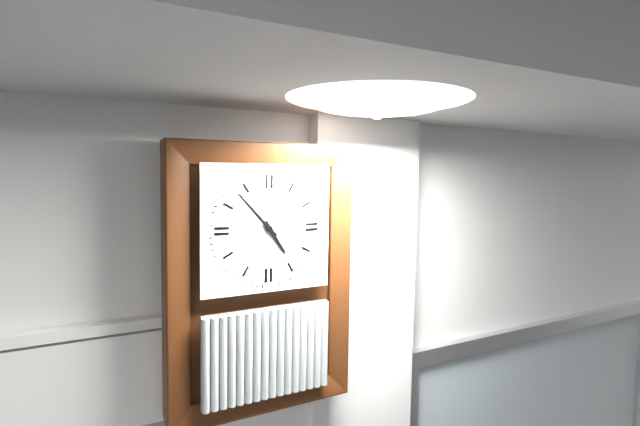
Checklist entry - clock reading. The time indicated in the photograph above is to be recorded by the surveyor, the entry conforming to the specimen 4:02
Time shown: 4:53
